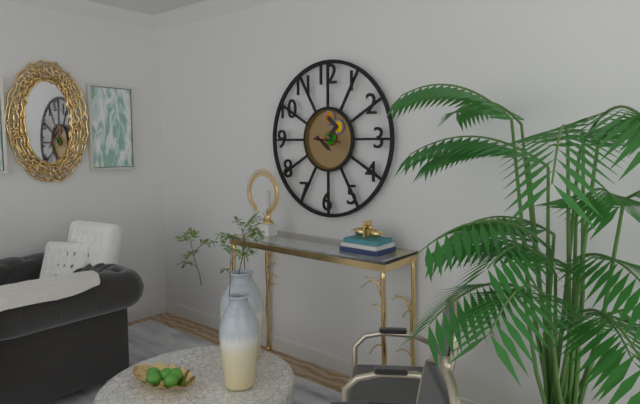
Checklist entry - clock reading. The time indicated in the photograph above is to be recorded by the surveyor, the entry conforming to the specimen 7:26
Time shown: 4:16
